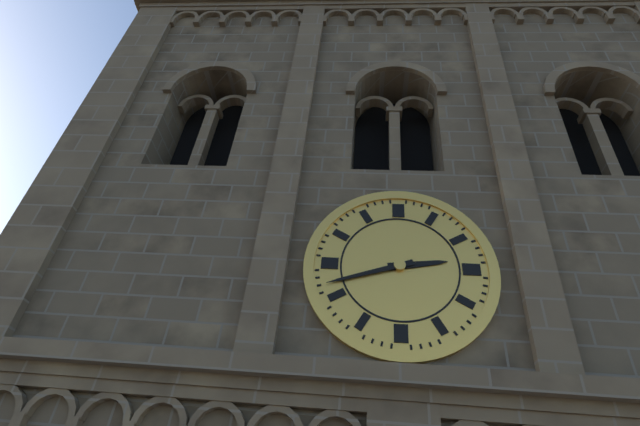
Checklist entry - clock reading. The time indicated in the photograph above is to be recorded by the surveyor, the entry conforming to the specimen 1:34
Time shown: 2:42
